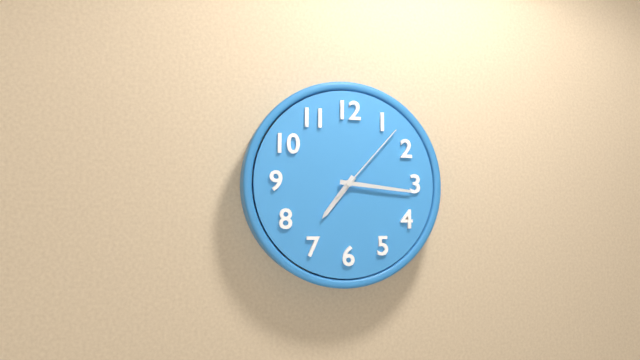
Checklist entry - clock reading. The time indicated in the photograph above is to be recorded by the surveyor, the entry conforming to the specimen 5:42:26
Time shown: 7:16:07
